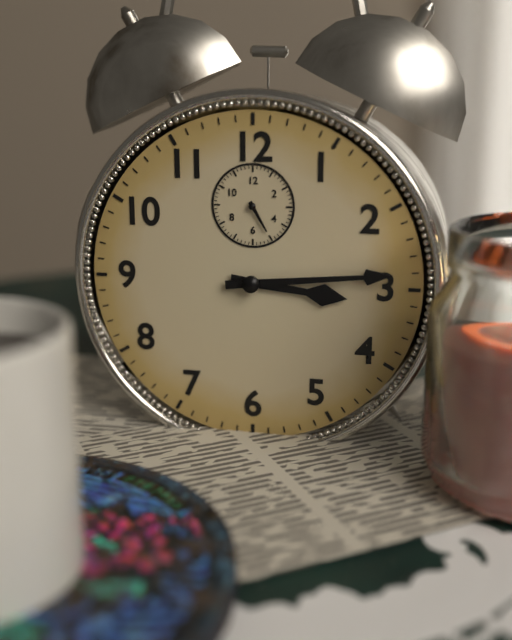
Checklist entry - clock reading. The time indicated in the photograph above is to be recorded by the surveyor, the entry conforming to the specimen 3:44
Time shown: 3:14
